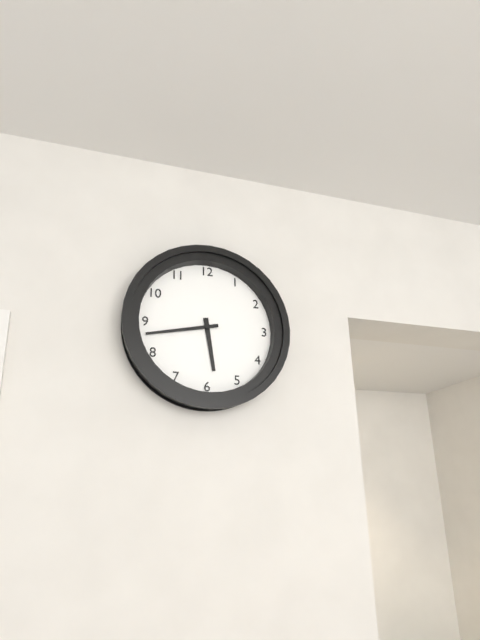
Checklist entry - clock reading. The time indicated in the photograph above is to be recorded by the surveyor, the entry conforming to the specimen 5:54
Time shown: 5:43
